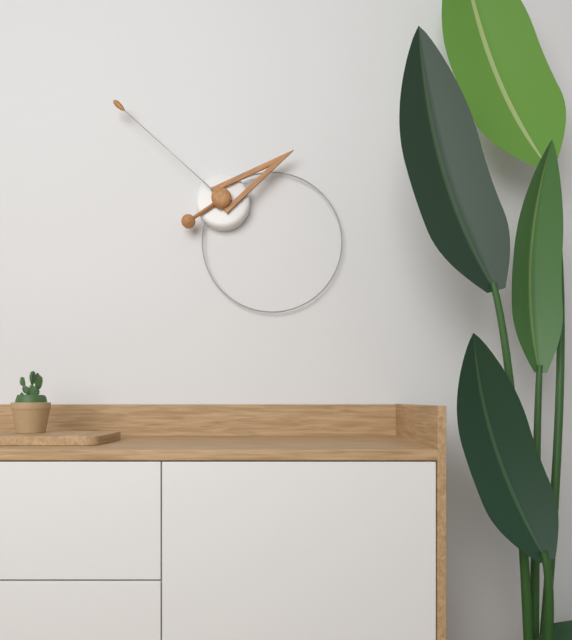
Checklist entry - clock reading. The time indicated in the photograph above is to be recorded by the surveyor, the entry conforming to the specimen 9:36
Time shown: 1:52
